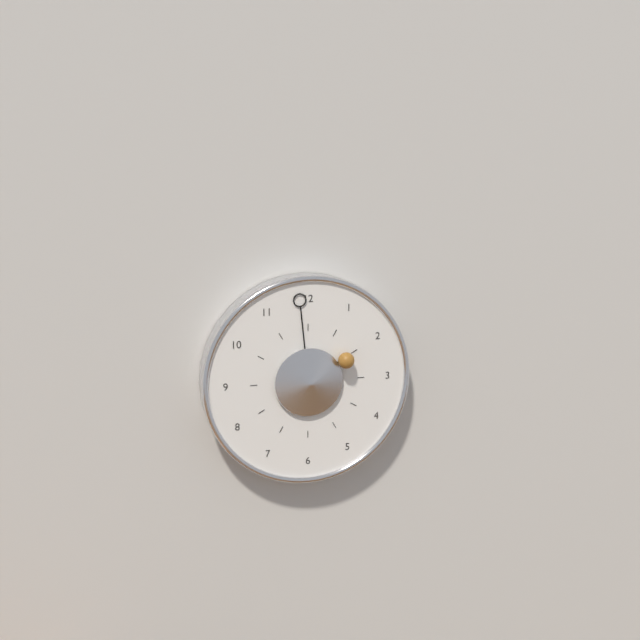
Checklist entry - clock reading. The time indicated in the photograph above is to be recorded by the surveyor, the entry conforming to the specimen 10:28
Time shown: 1:59
